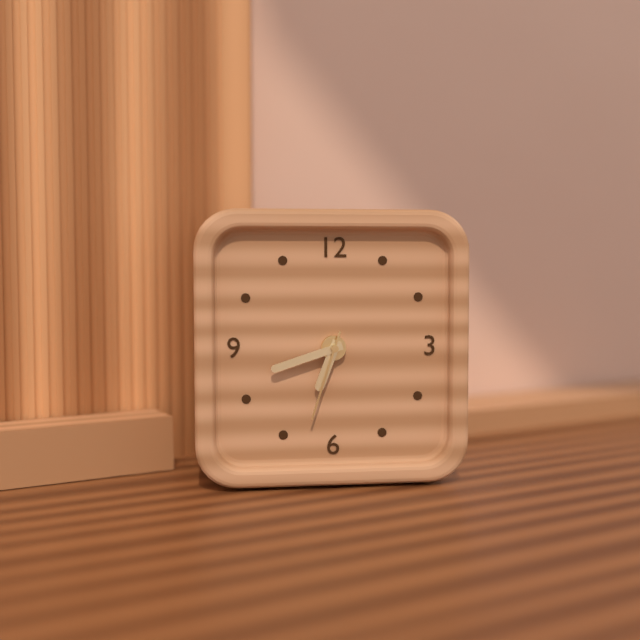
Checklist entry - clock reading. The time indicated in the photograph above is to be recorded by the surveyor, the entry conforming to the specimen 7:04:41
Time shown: 6:42:33
